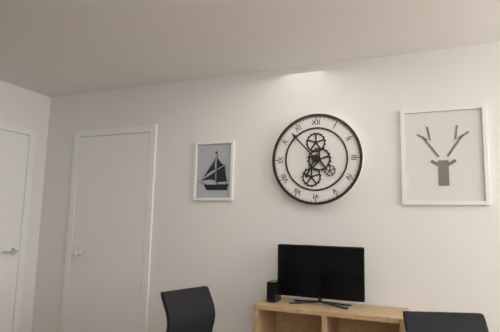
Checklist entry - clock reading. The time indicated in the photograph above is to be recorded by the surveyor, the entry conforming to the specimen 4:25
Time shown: 6:53
